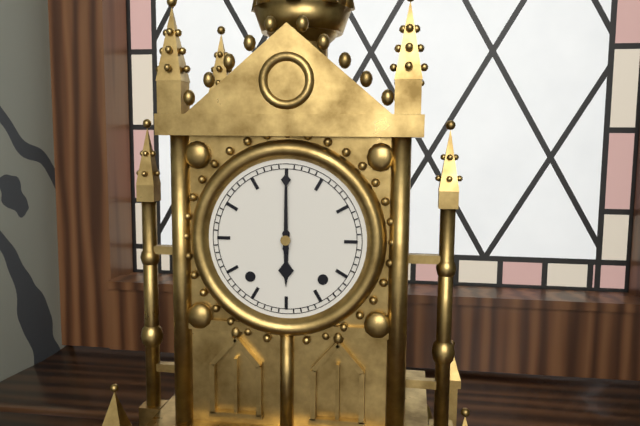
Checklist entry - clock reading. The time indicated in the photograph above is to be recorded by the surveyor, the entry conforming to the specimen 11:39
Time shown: 6:00
